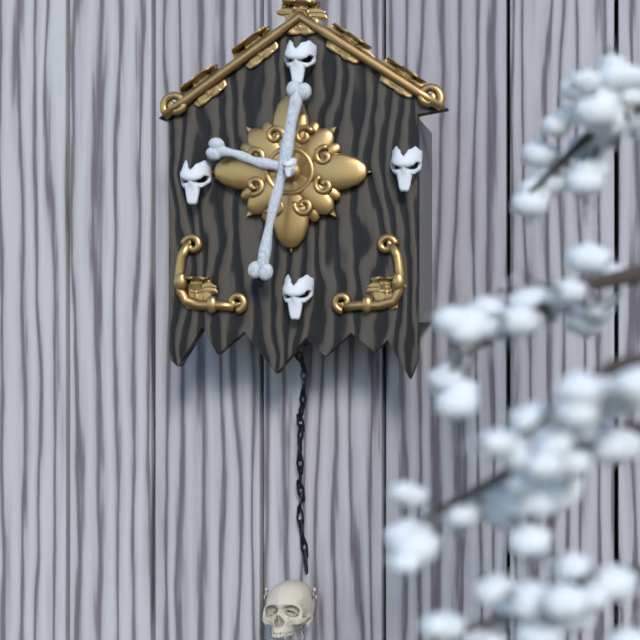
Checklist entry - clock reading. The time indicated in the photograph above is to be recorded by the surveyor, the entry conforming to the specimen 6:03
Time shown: 9:32
